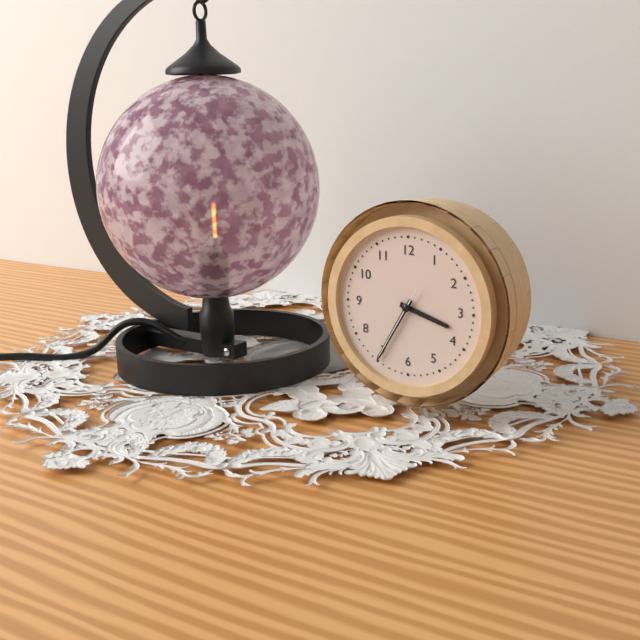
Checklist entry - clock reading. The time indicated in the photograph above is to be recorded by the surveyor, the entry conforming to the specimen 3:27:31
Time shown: 3:35:35
